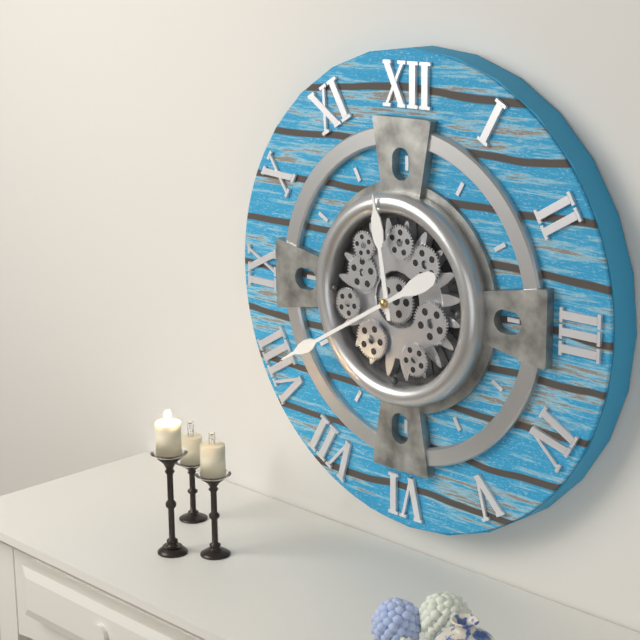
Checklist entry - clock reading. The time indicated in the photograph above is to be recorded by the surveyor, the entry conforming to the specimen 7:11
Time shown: 11:40
